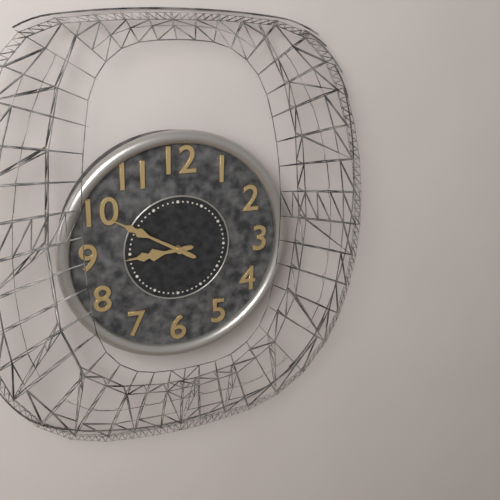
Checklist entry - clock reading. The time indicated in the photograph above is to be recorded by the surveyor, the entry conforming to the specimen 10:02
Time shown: 8:50
